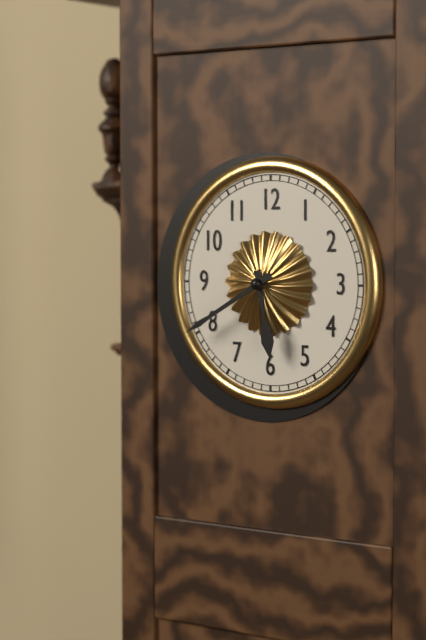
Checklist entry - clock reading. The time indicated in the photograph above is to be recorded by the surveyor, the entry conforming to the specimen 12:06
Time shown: 5:40
